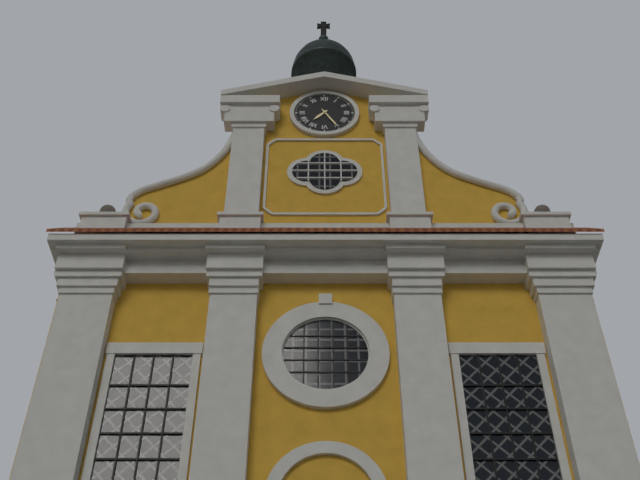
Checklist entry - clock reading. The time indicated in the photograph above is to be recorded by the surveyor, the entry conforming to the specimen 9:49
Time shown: 7:25
